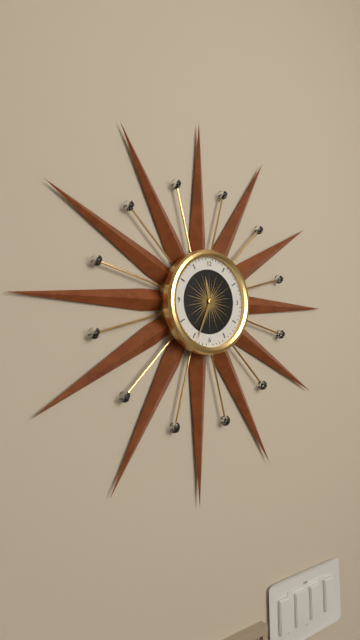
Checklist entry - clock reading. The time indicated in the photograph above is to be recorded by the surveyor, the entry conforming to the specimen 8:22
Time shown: 11:34
